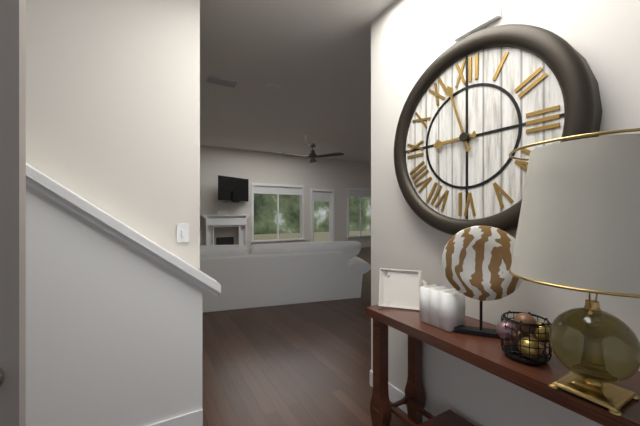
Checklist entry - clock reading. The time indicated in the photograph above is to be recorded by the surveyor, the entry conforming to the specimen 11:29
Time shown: 8:57
